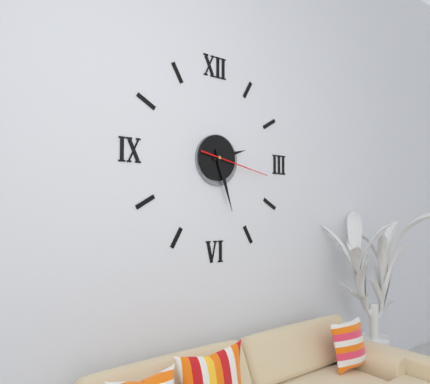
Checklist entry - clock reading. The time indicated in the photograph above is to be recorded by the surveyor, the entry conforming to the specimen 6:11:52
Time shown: 2:27:17
